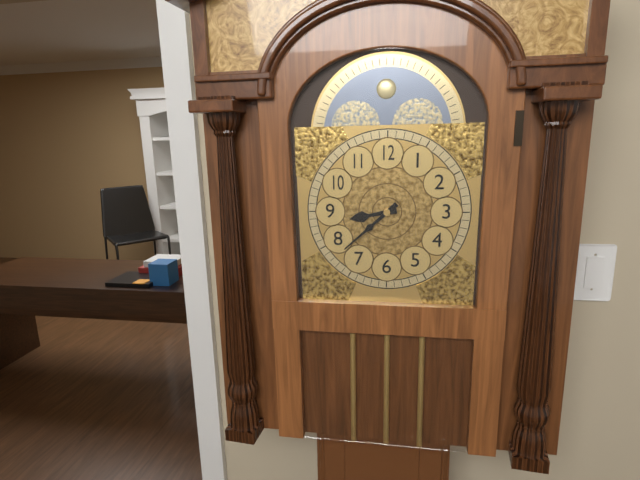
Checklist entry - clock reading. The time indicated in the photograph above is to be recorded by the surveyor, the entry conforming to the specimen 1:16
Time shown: 8:38
